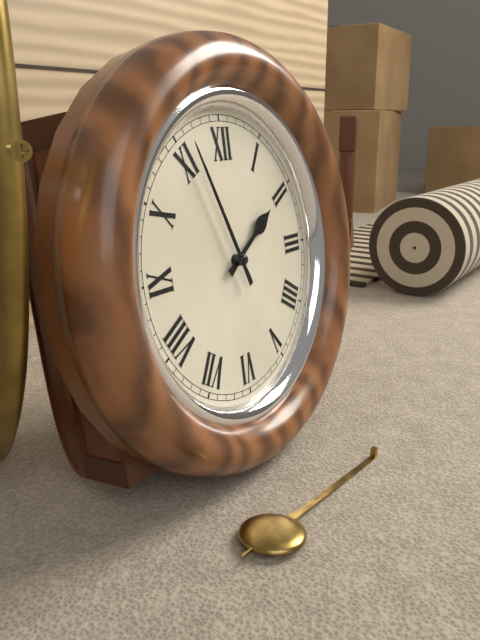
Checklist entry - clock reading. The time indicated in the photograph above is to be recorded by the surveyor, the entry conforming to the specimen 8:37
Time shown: 1:56
